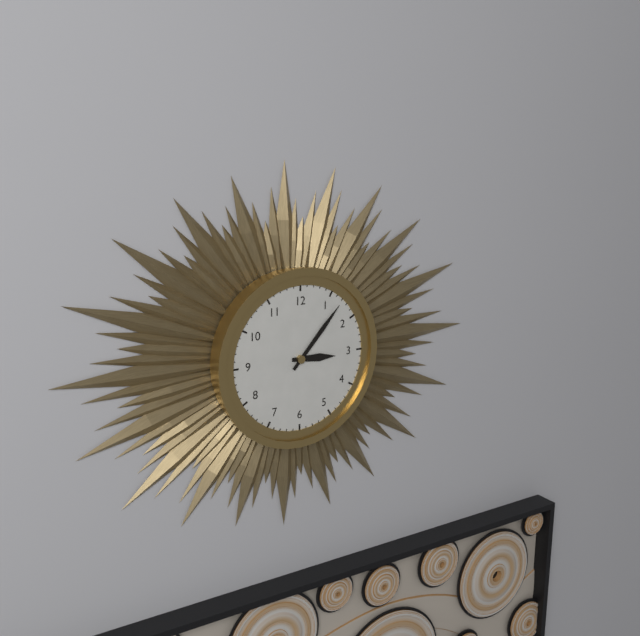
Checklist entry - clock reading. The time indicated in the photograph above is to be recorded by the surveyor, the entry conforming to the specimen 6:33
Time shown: 3:07
